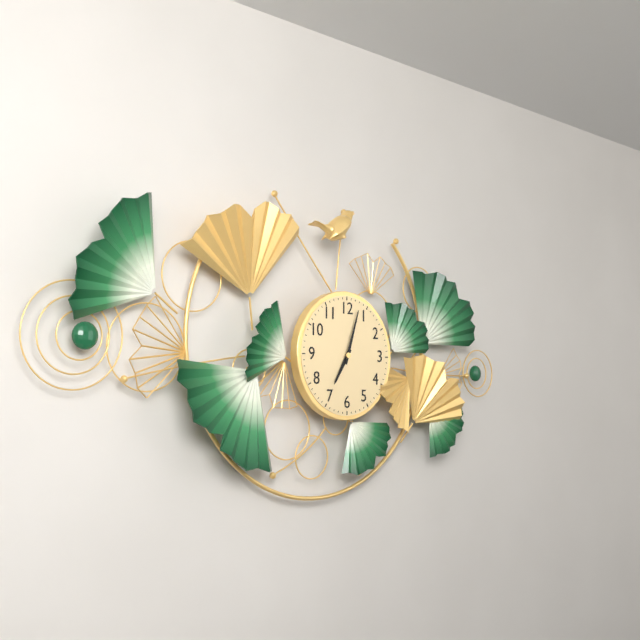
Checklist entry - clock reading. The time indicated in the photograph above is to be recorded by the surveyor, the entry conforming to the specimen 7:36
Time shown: 7:03
